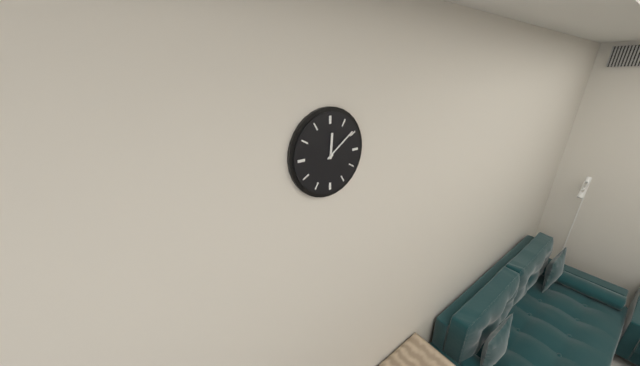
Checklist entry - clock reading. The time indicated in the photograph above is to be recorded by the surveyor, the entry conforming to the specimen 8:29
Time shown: 12:09
